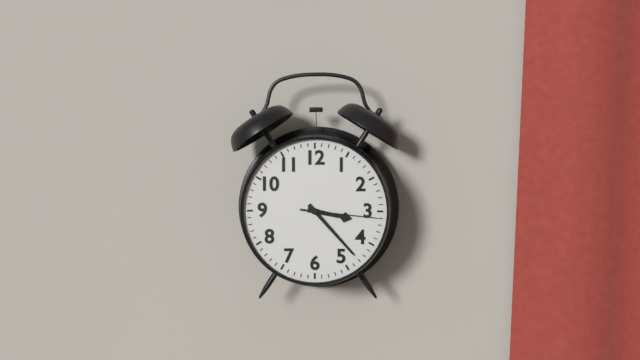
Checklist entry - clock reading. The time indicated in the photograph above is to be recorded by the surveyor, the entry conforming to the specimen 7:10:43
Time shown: 3:23:16
